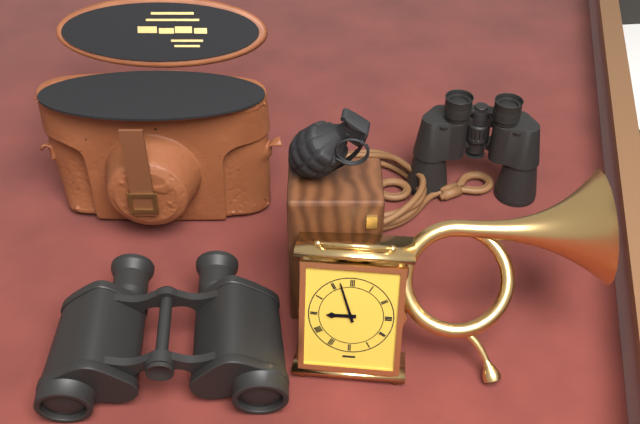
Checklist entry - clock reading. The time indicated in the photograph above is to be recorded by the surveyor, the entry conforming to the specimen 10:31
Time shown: 8:57
